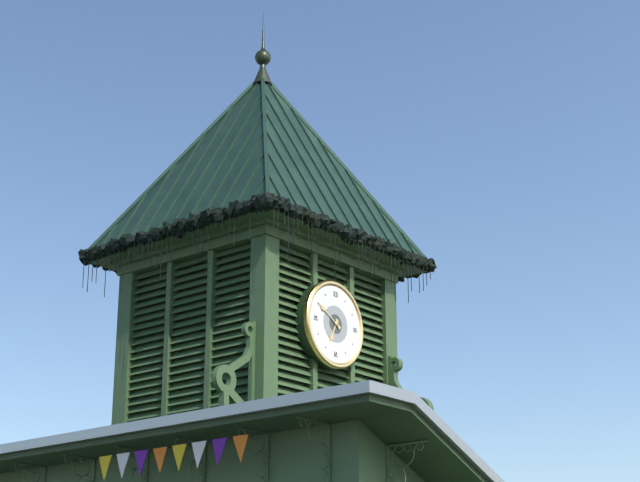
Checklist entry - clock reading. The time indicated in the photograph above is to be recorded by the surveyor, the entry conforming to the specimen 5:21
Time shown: 6:50
